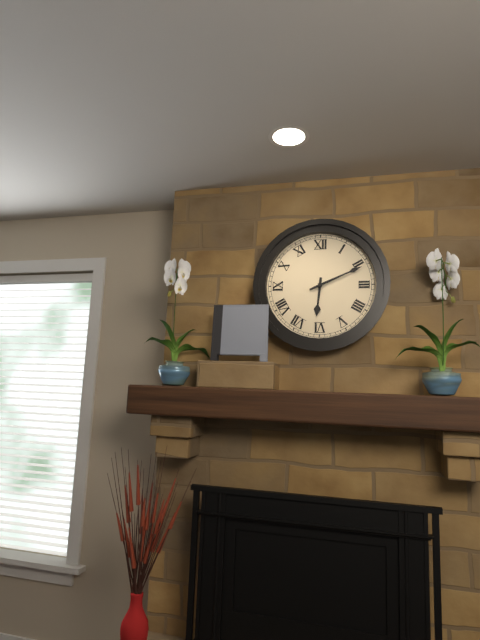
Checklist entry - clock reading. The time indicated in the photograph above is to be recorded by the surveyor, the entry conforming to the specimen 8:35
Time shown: 6:11
